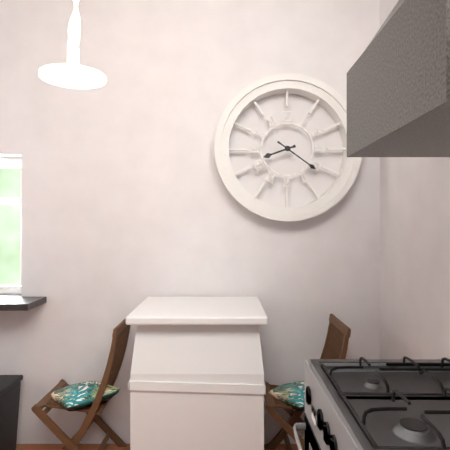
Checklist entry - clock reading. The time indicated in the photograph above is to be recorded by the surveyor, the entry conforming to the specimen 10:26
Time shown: 8:21
